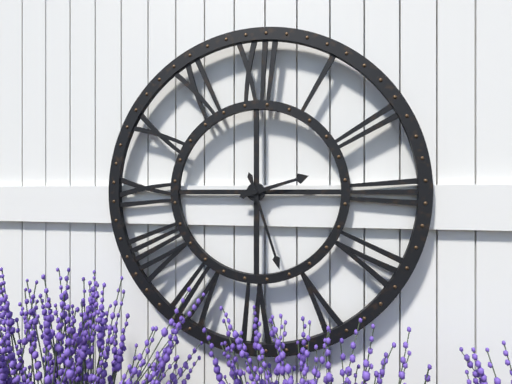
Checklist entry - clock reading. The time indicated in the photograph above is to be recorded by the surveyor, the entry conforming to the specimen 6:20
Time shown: 2:27
